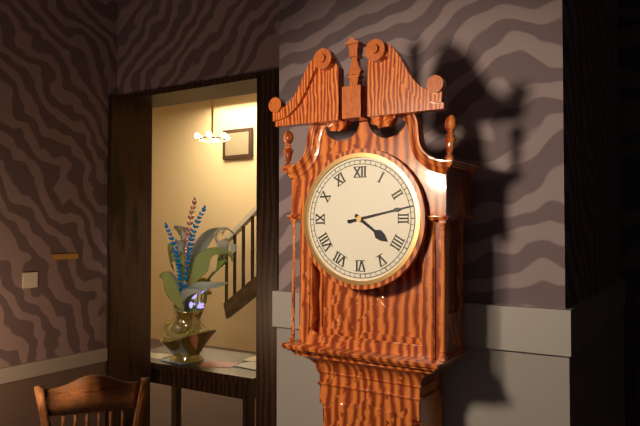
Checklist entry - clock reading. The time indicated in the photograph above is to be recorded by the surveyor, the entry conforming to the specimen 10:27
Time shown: 4:13
